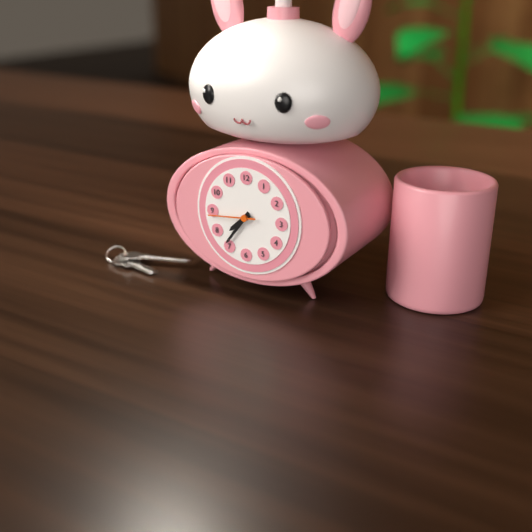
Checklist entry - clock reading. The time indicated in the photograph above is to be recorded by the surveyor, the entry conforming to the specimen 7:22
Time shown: 7:36
